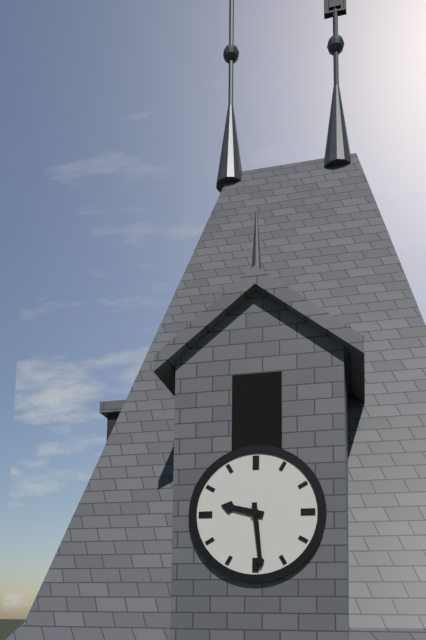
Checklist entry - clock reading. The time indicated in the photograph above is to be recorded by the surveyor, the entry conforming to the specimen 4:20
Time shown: 9:29
